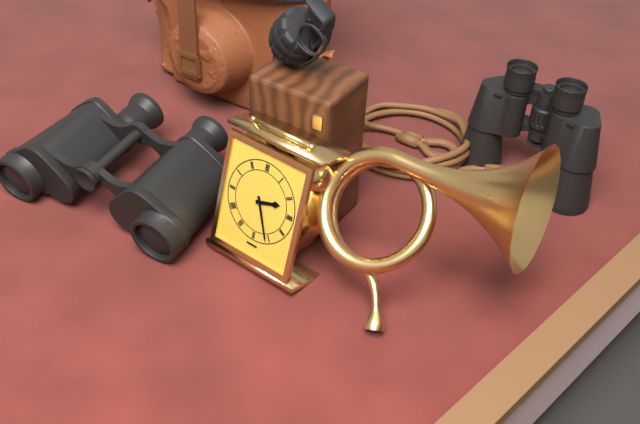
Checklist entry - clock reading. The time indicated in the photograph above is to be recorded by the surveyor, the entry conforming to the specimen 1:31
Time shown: 2:26
